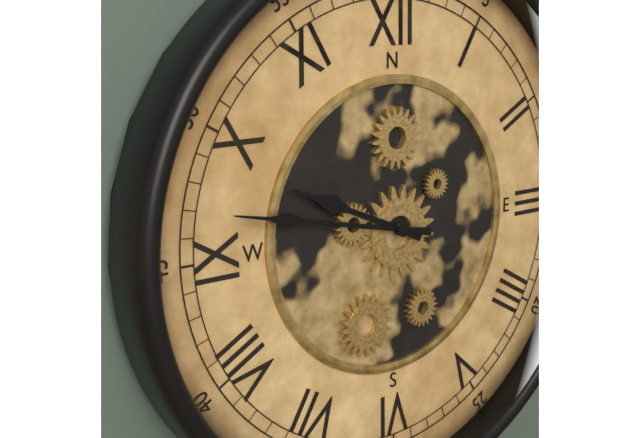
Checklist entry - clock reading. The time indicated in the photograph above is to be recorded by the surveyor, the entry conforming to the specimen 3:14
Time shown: 9:47
